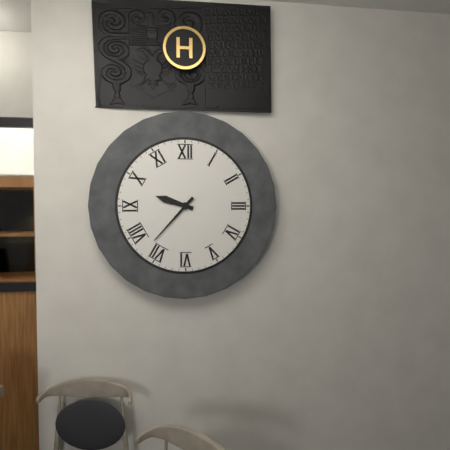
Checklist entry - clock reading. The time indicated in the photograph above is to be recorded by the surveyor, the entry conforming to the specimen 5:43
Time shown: 9:37
